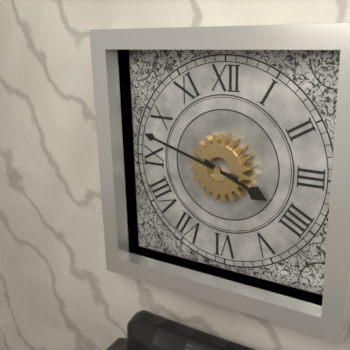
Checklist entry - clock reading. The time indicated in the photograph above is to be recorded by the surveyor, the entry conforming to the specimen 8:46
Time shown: 3:48
